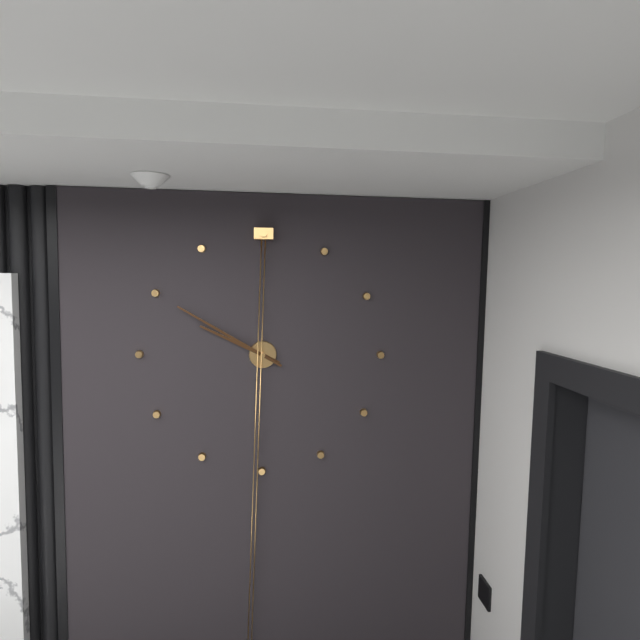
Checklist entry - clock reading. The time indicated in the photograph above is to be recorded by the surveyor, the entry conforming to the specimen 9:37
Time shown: 9:50
